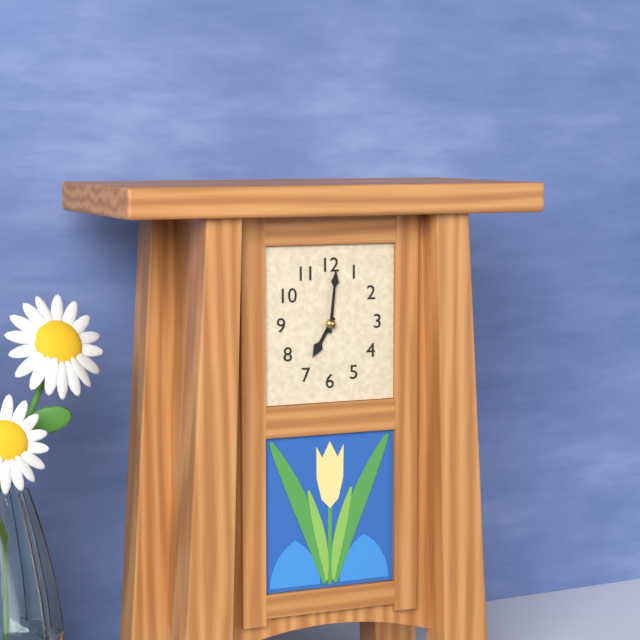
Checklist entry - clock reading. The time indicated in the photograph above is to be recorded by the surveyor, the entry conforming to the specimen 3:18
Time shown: 7:01
